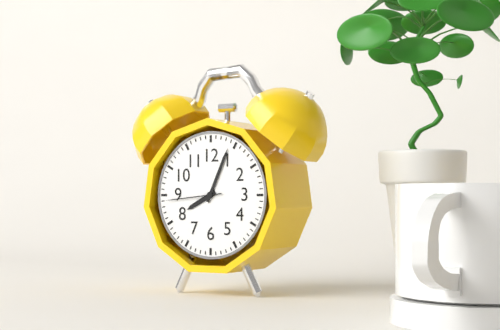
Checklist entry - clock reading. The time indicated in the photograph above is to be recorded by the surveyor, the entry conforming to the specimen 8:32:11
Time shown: 8:04:44
